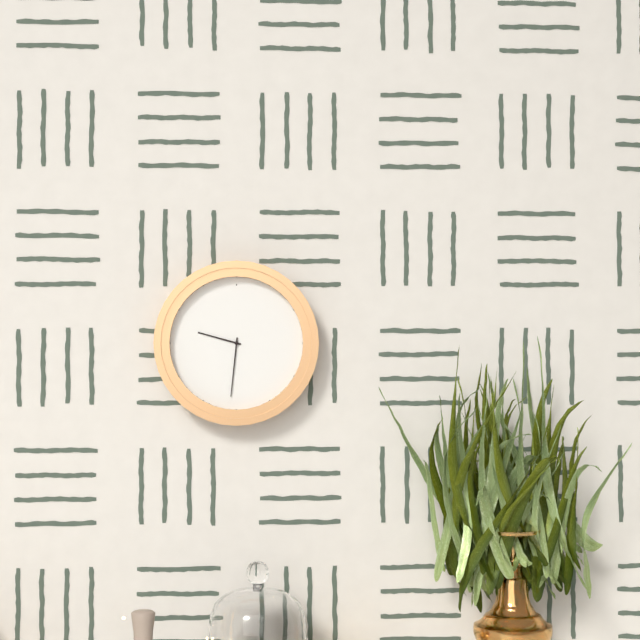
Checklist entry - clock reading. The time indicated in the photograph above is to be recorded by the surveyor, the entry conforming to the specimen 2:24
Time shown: 9:31
